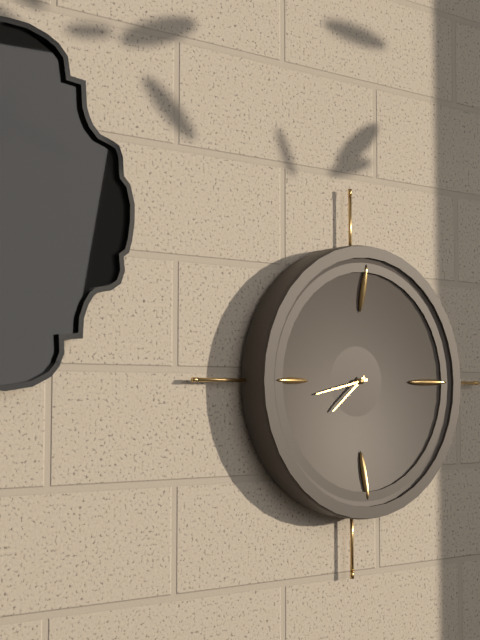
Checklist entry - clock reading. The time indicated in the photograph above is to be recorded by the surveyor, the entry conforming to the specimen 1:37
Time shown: 7:43
